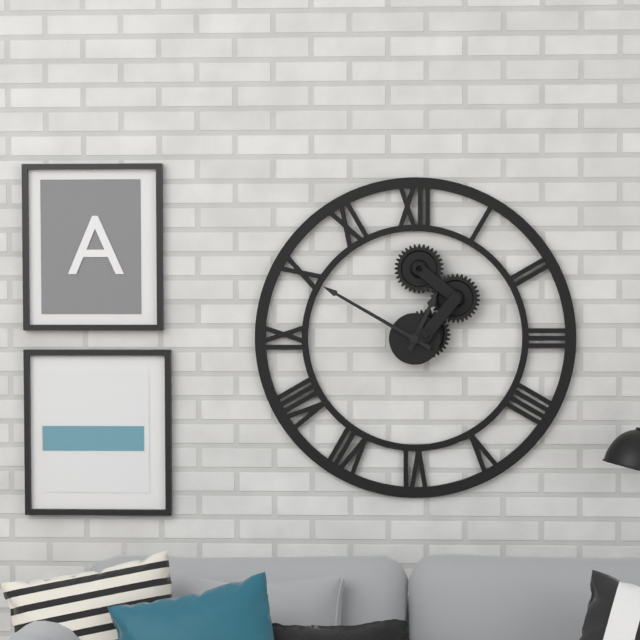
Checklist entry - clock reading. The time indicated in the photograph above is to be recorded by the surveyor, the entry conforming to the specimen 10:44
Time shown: 12:50
